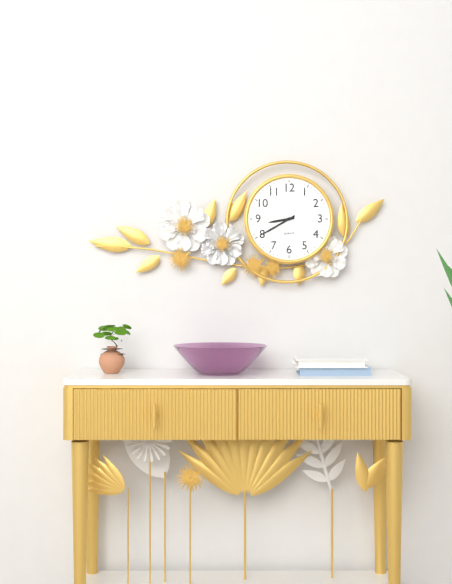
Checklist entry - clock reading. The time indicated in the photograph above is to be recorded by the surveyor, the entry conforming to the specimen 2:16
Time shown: 8:40
